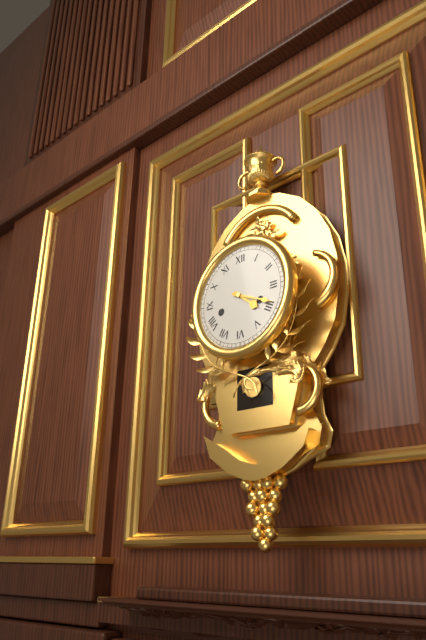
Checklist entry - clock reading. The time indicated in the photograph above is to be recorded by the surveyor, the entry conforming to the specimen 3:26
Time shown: 4:19
